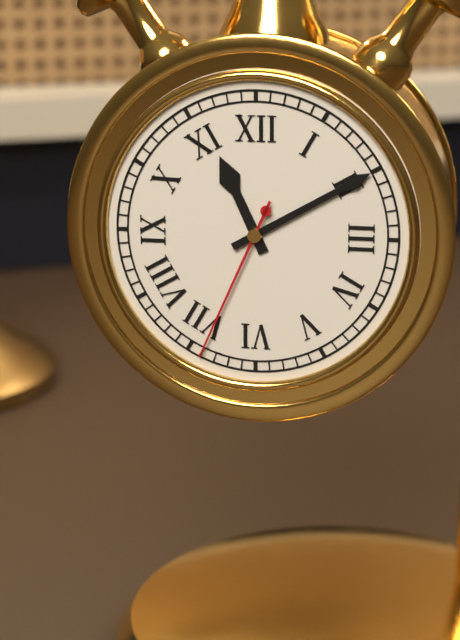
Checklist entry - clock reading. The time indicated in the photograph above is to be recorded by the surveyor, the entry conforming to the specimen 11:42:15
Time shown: 11:10:34
